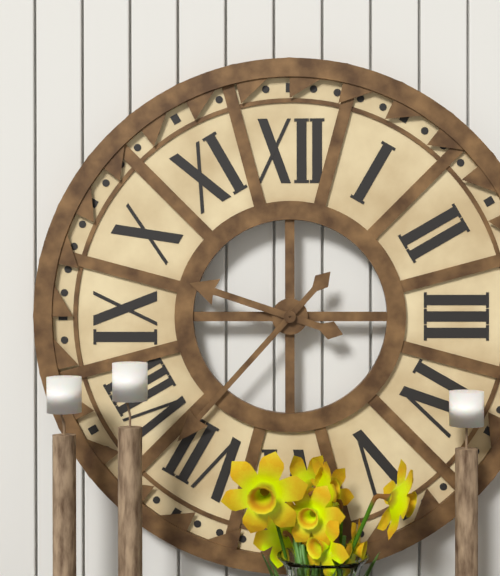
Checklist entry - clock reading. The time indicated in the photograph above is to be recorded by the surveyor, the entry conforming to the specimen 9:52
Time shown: 9:37
